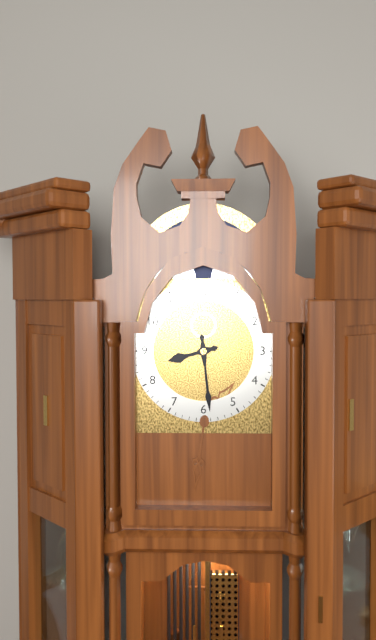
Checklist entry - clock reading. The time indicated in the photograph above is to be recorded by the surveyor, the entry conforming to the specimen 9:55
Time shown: 8:29
